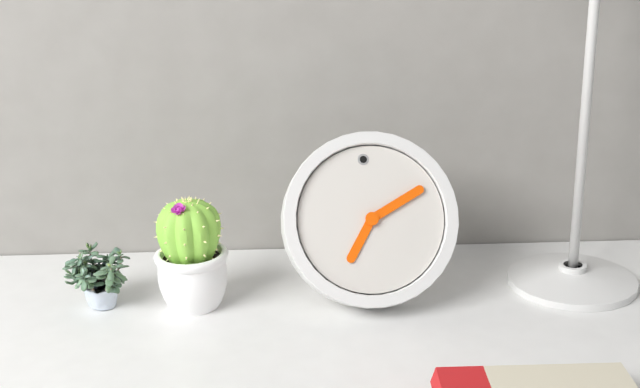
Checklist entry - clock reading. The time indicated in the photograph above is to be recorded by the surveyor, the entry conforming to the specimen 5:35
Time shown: 7:11
